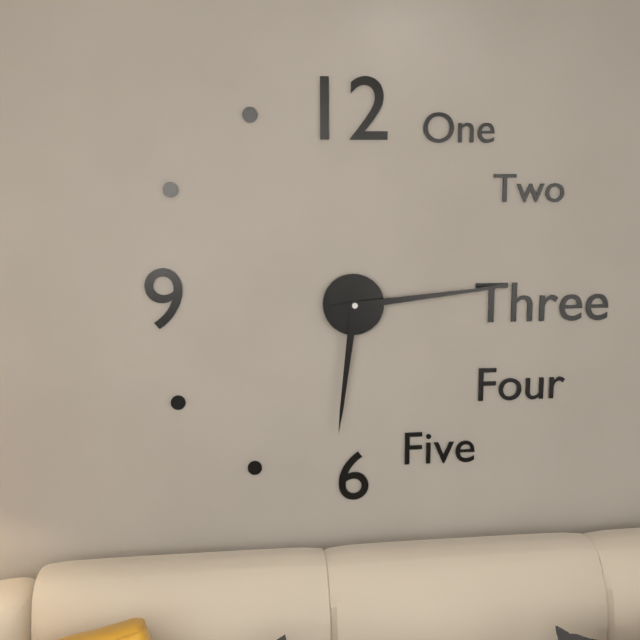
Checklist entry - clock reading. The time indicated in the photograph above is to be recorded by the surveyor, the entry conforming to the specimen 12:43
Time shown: 6:14
